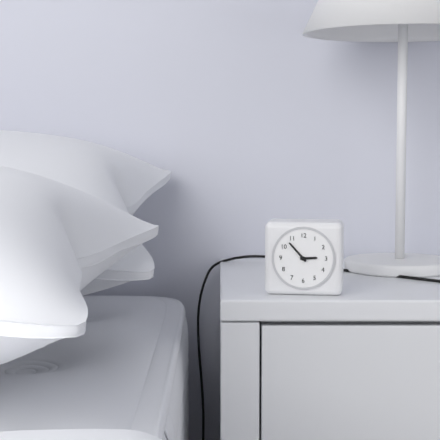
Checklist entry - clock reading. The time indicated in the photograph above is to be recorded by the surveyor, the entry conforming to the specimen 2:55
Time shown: 2:53
